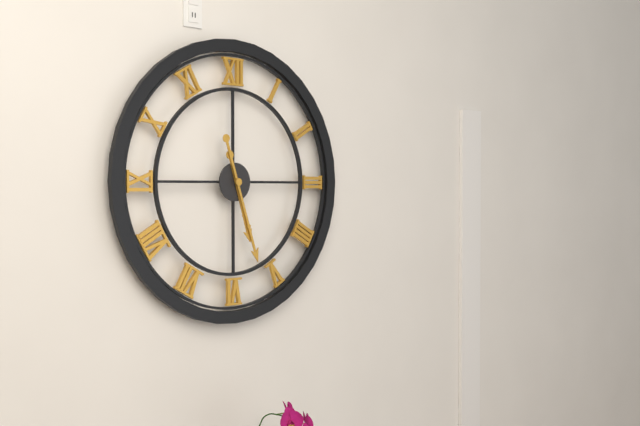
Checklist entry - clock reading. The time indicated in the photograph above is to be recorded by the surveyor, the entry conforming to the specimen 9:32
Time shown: 5:27
